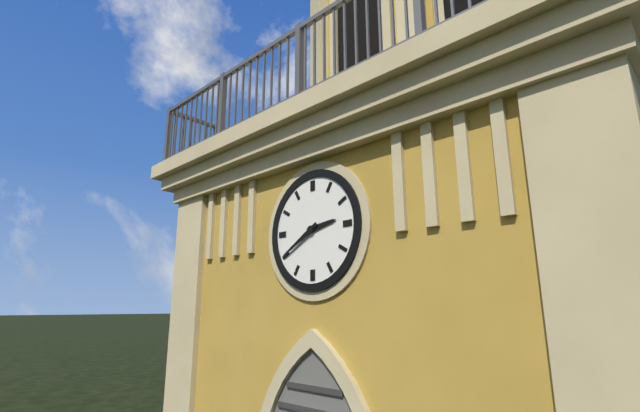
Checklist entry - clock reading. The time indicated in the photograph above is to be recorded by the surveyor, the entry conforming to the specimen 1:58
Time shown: 2:40
